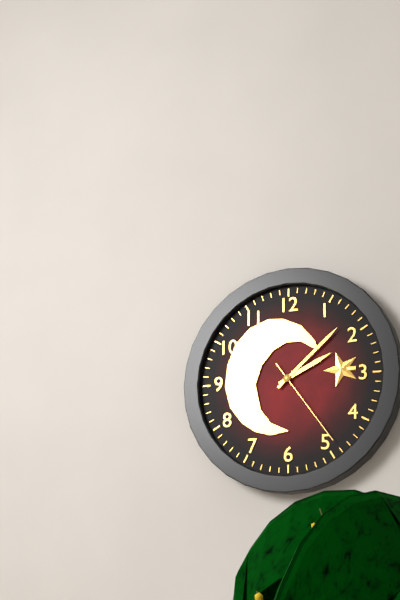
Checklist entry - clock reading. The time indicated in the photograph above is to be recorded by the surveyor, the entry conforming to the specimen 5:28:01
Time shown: 2:08:24
